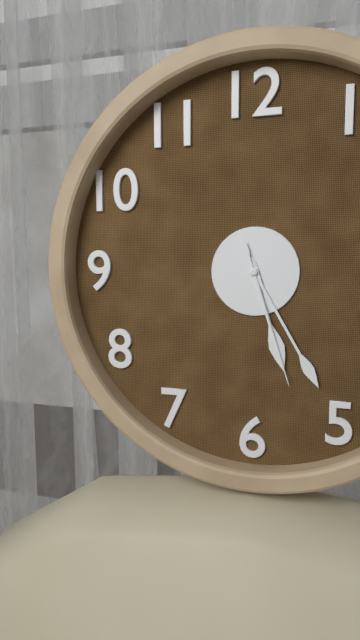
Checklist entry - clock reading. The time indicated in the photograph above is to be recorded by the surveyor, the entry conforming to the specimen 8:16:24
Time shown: 5:25:27
